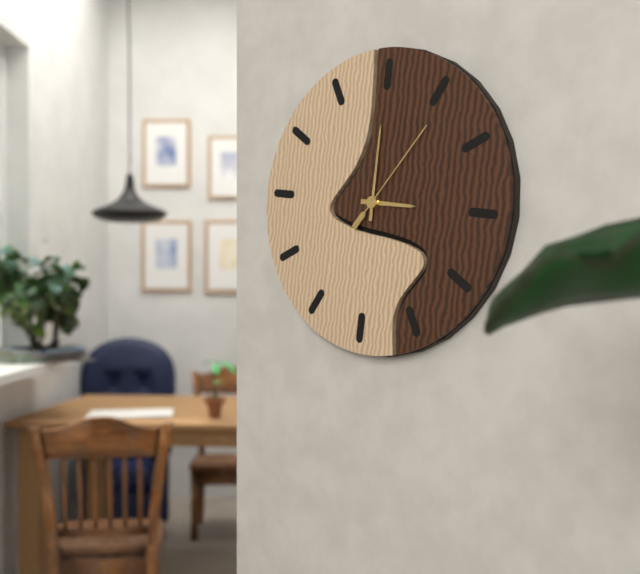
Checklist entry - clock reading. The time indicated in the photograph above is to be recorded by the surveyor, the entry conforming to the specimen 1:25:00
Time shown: 3:00:06
